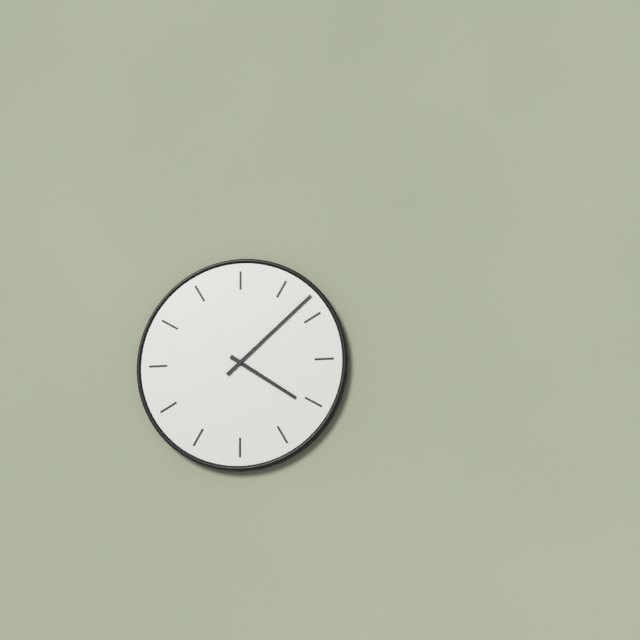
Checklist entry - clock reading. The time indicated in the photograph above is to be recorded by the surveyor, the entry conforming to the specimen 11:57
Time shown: 4:08
